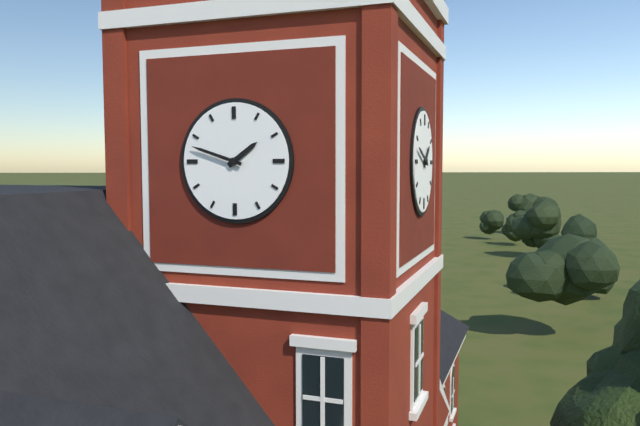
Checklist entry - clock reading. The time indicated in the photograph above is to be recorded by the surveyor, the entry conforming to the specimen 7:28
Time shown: 1:48
